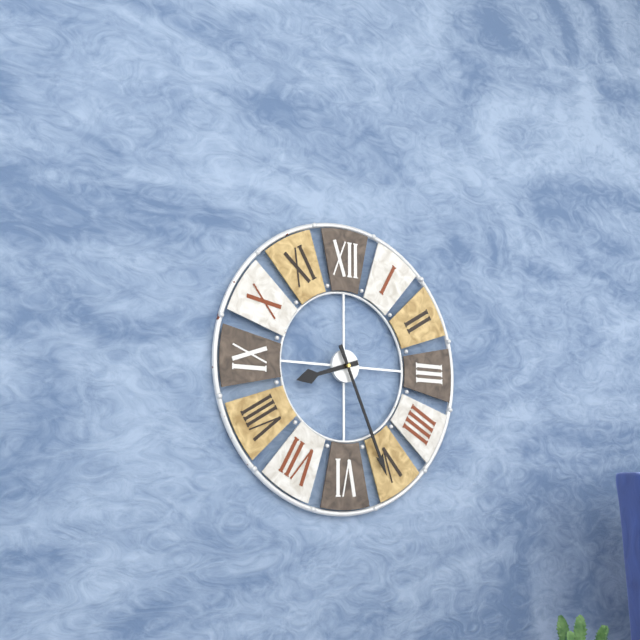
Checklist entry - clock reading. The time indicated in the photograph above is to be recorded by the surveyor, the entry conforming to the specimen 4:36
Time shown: 8:26
